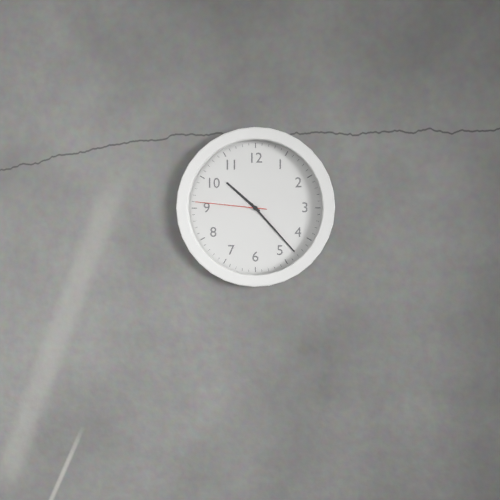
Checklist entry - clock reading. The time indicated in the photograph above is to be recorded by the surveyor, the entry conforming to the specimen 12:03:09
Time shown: 10:23:46
